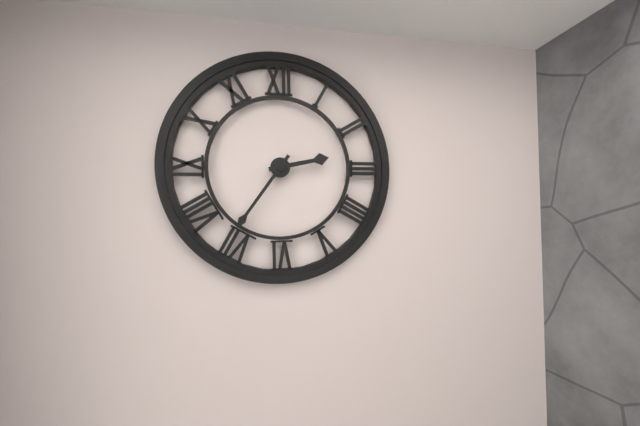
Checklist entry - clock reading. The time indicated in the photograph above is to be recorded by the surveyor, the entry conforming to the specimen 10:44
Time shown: 2:36
